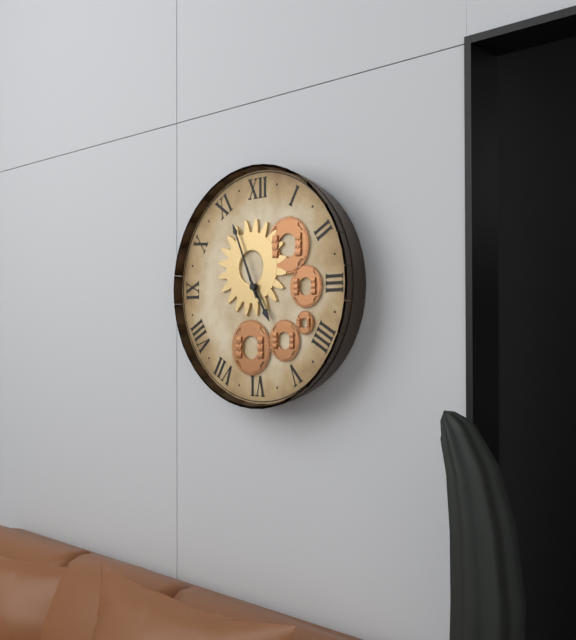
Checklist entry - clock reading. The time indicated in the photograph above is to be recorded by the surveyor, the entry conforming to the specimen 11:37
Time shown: 4:56
